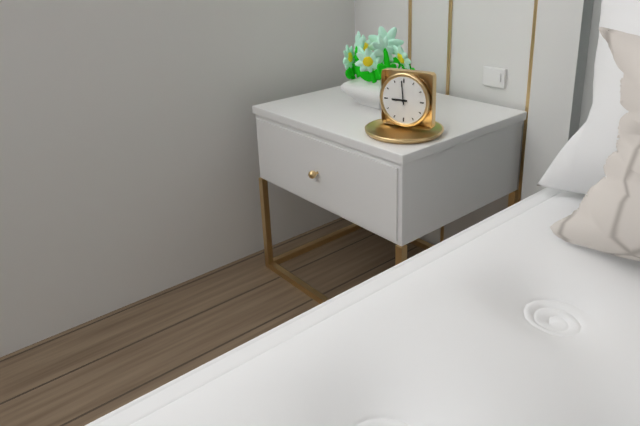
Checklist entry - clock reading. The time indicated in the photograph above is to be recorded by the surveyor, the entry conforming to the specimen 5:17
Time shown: 8:59
